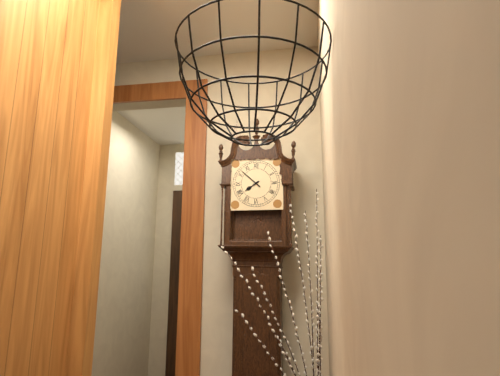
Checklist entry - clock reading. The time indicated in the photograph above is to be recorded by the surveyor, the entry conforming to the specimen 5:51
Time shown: 7:52
